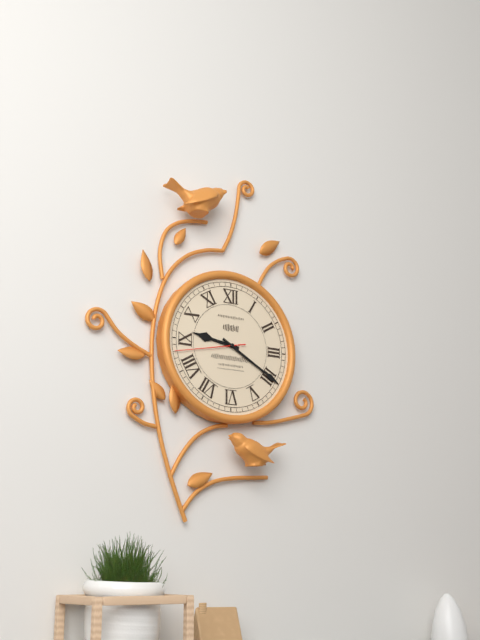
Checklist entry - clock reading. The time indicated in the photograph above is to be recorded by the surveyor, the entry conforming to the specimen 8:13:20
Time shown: 9:20:43
